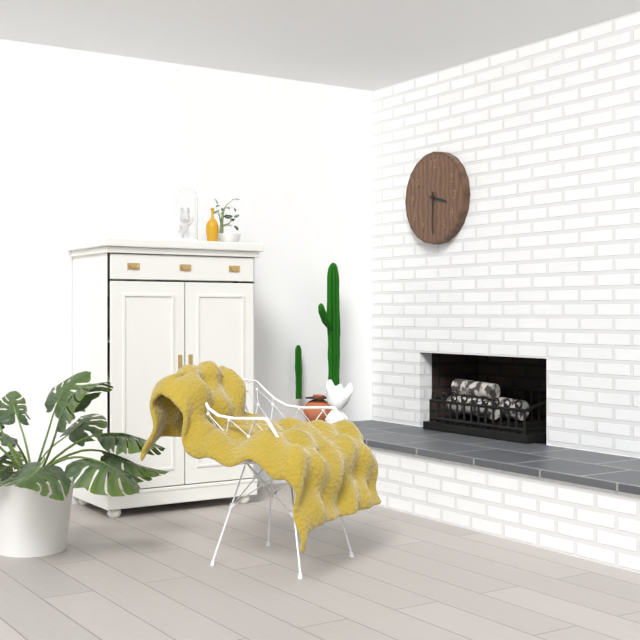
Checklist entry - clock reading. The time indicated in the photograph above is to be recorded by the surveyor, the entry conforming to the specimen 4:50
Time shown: 3:30
